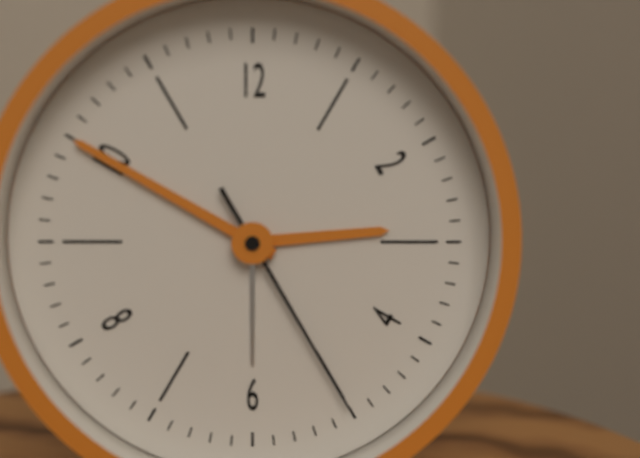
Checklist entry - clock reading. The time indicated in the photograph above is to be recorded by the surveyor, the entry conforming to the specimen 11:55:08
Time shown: 2:50:25
